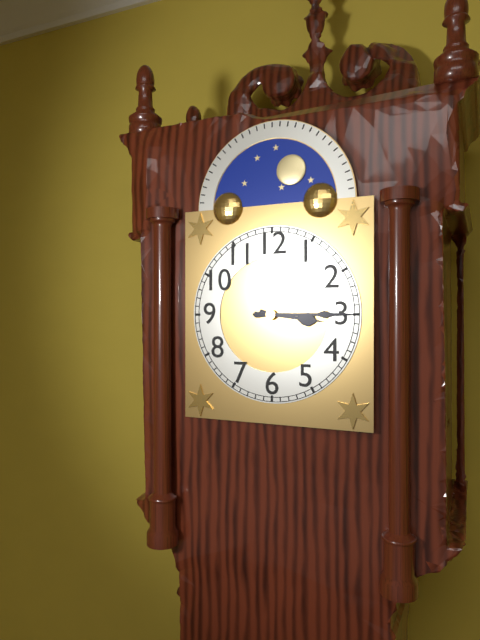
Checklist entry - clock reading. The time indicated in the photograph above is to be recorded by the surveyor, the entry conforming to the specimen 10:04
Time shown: 3:15
